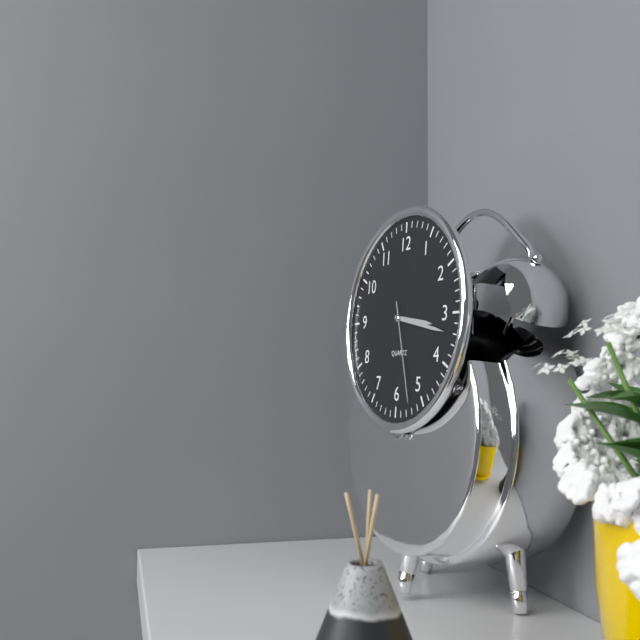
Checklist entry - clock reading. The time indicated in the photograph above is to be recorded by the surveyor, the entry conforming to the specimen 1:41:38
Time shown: 3:17:27
